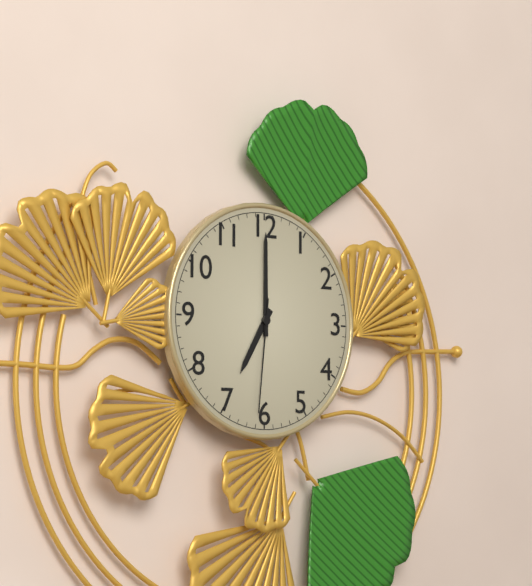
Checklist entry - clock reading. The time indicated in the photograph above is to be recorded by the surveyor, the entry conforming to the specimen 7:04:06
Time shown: 7:00:31
